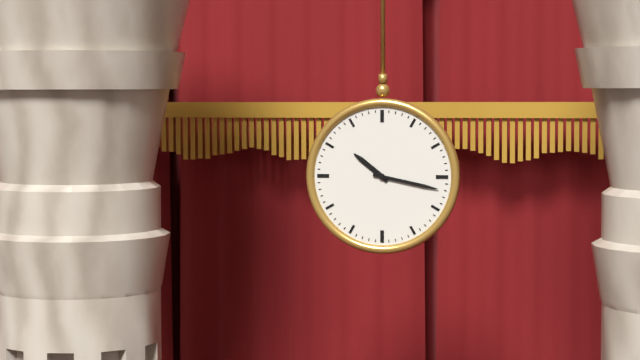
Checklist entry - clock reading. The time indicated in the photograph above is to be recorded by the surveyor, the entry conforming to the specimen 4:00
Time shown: 10:17
